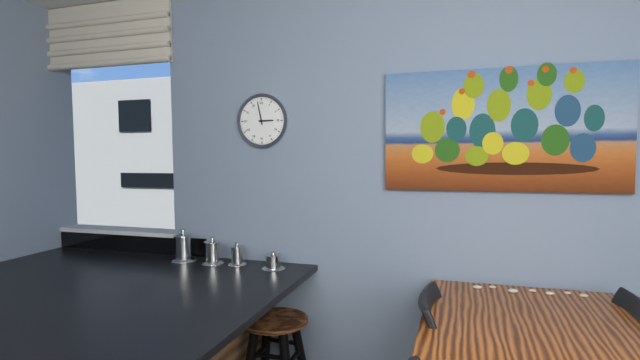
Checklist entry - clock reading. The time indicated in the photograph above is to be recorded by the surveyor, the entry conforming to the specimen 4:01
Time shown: 2:58
